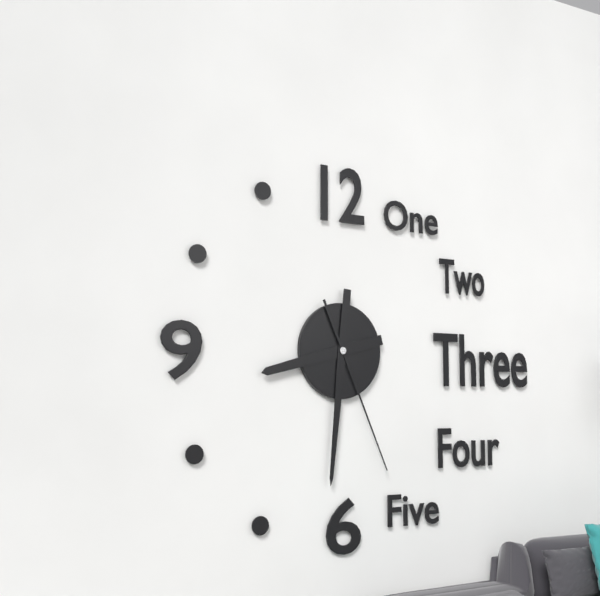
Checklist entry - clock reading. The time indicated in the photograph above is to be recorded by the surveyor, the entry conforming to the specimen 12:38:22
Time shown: 8:31:26
